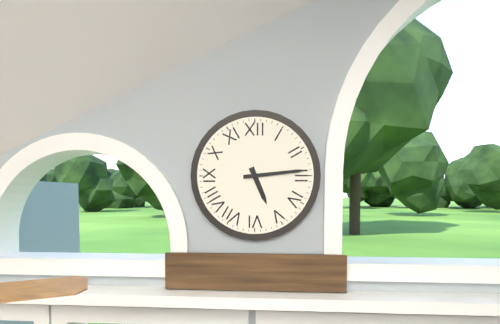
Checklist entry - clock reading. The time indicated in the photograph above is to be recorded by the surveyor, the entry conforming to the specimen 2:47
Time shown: 5:14
